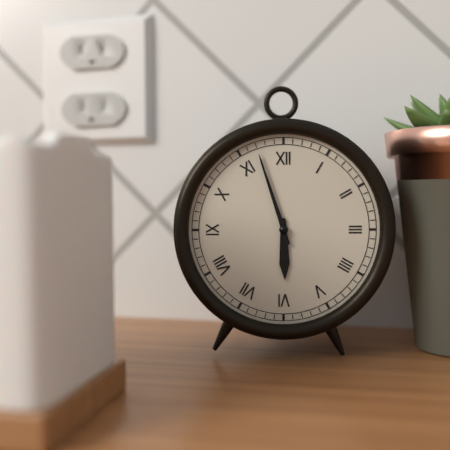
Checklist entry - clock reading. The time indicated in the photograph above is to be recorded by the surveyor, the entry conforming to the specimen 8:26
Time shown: 5:57
